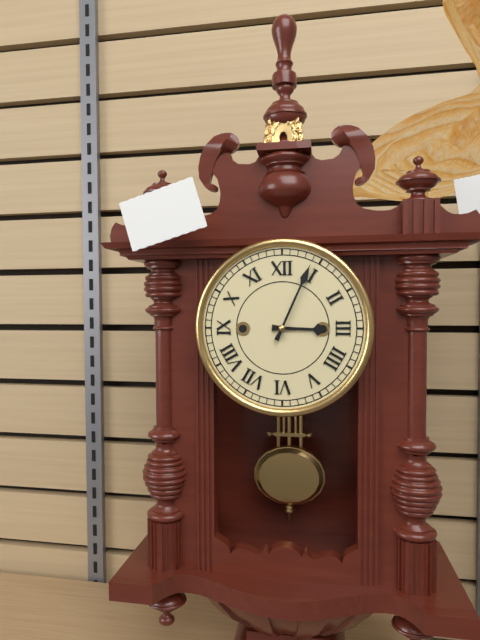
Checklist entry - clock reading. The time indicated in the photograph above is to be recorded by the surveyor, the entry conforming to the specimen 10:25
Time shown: 3:04
